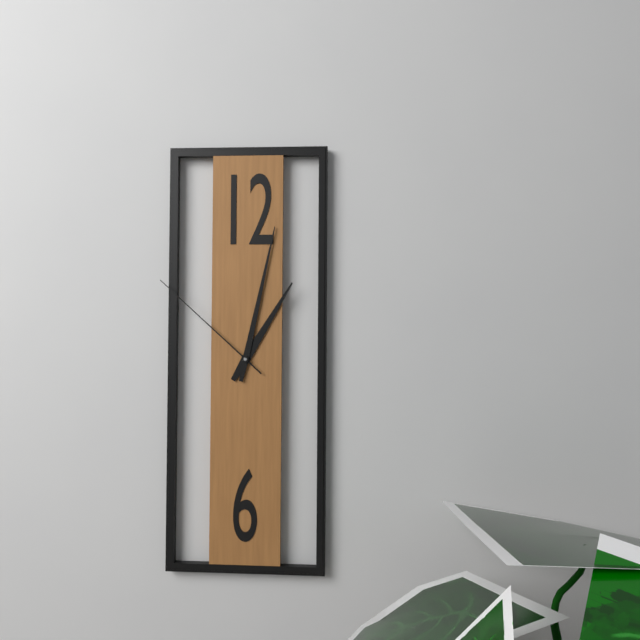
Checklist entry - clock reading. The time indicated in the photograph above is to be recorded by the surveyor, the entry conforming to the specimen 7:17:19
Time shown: 1:02:52
